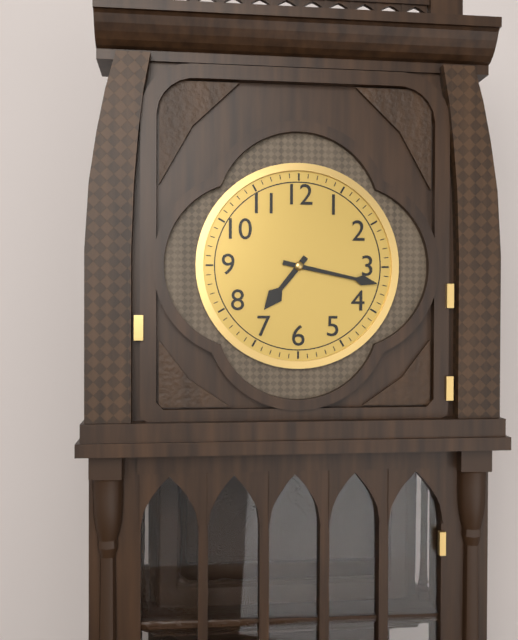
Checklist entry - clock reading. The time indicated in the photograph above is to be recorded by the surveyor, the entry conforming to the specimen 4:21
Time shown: 7:17
